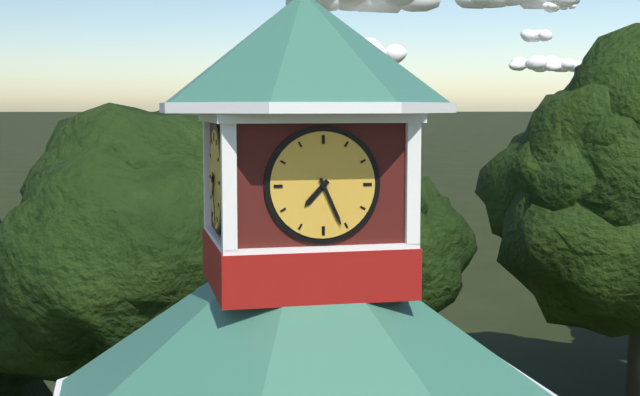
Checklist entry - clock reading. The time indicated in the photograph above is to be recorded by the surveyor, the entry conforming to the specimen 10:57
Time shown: 7:26
